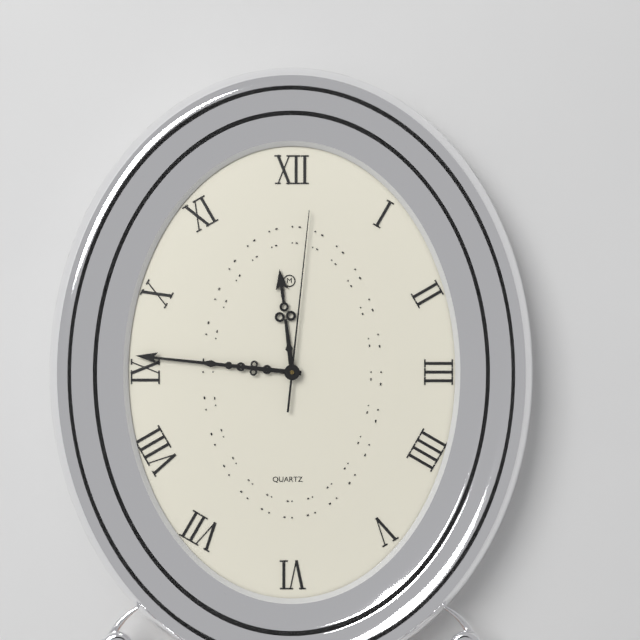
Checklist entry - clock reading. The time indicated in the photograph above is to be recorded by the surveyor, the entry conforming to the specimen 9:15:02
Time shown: 11:46:01
